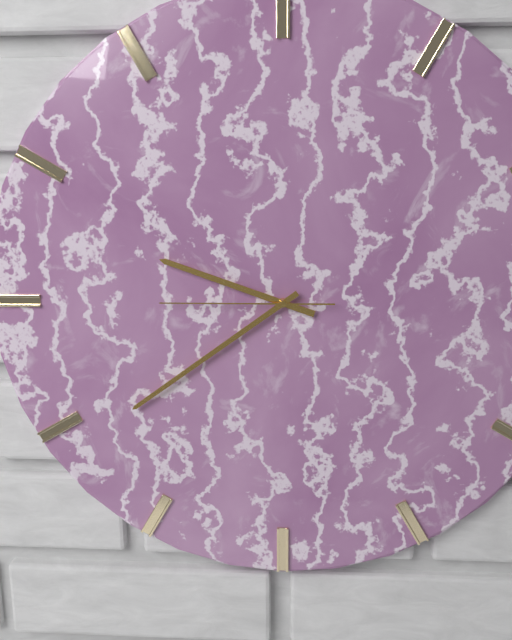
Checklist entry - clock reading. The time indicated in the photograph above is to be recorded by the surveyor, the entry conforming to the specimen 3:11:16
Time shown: 9:39:45
